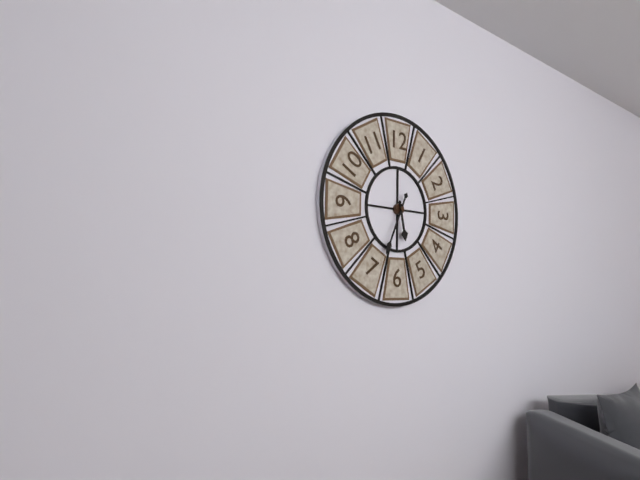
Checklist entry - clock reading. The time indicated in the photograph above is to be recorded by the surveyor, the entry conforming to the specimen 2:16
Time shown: 5:34
